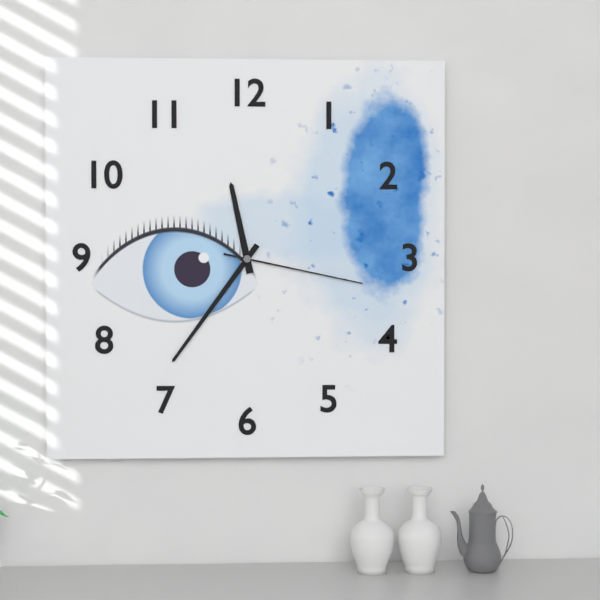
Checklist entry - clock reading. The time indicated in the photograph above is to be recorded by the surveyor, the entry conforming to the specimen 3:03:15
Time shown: 11:36:17
